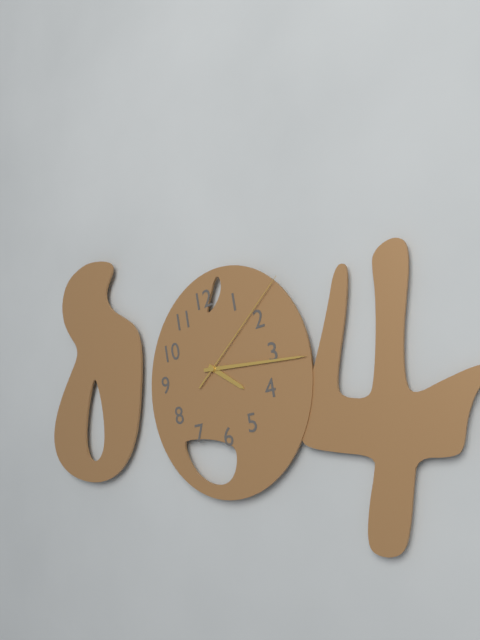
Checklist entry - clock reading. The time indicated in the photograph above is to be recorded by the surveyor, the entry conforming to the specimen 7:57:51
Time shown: 4:16:09
